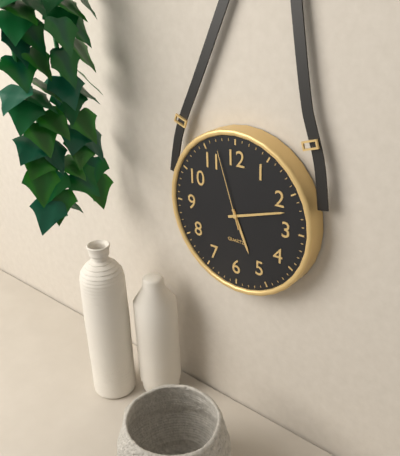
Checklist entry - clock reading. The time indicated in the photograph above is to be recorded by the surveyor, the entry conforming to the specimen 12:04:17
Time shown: 5:12:57
